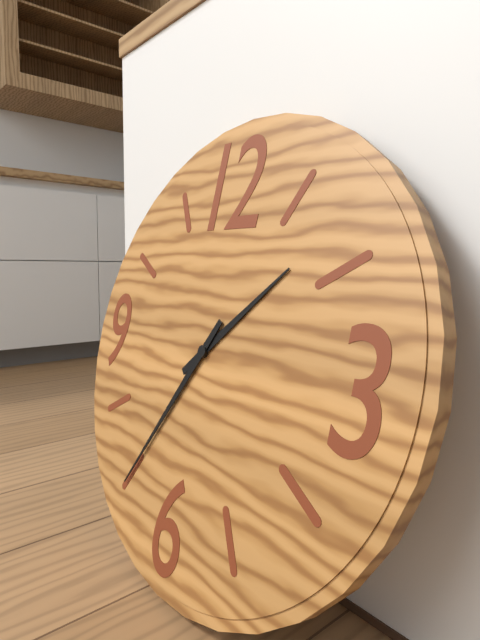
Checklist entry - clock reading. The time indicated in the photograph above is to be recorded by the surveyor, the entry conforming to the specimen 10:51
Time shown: 1:35
